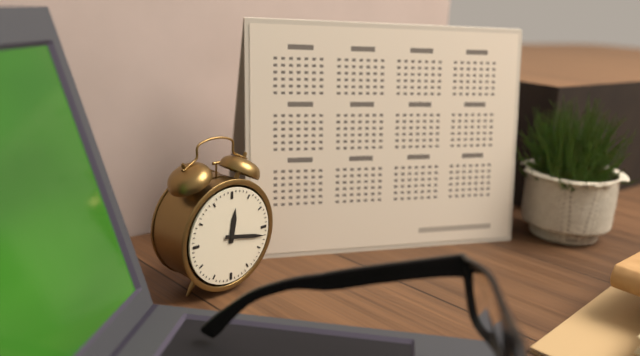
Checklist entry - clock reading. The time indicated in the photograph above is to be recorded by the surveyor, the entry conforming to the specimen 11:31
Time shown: 12:17
